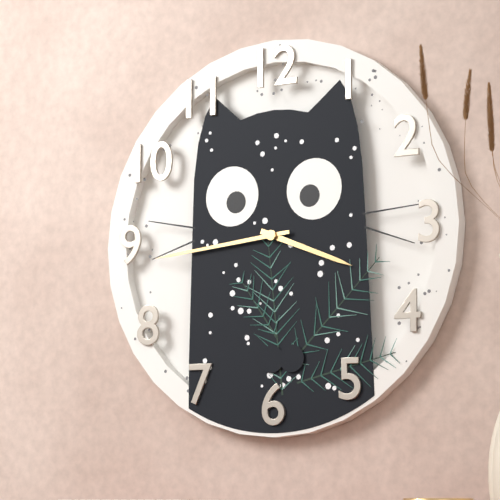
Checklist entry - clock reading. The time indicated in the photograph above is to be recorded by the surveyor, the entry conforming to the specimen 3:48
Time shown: 3:44
